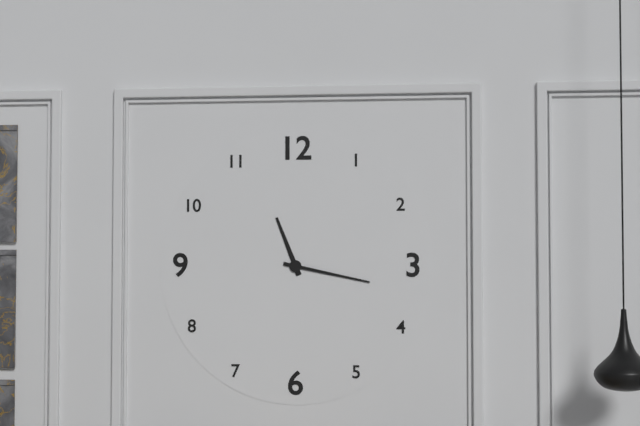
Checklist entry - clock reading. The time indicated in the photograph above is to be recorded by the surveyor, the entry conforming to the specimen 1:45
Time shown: 11:17
